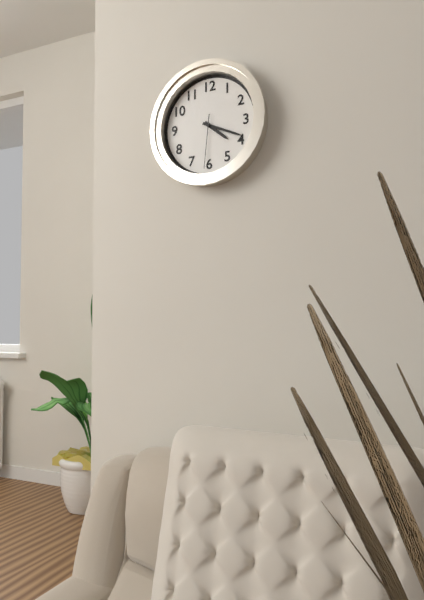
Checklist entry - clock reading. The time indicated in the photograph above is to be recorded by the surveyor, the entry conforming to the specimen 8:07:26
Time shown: 4:19:31
